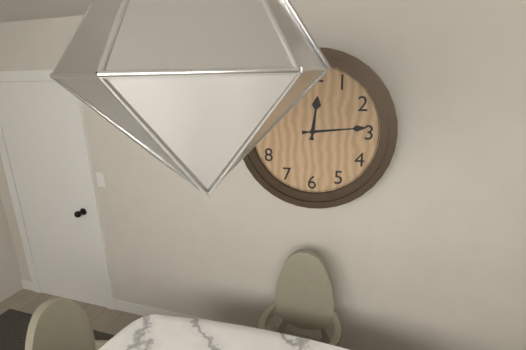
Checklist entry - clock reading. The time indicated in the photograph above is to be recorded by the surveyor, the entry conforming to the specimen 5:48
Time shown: 12:14
